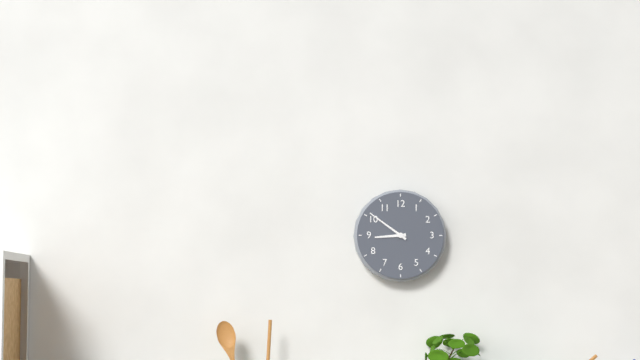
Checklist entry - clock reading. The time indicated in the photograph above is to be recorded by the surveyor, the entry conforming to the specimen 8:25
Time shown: 8:51
